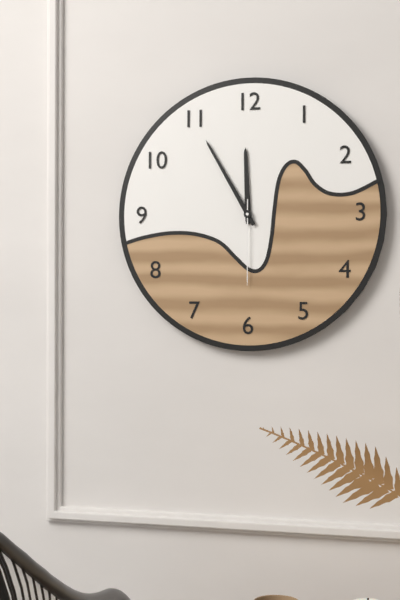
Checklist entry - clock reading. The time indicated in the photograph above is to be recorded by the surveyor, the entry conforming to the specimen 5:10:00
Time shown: 11:55:30
